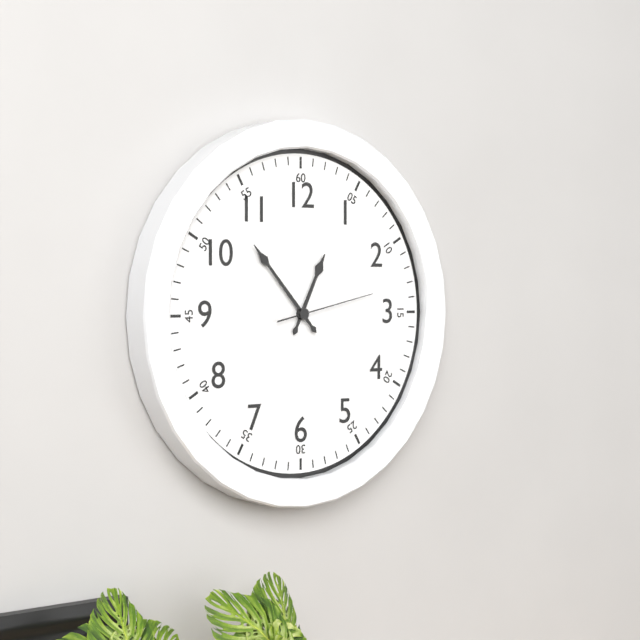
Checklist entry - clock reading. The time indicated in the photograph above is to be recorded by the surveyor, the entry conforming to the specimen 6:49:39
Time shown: 12:53:13
